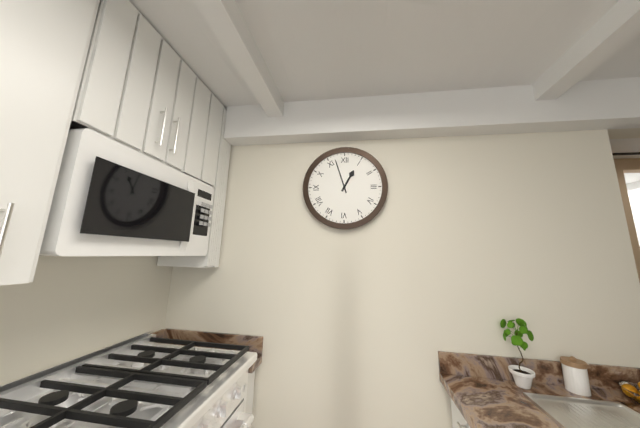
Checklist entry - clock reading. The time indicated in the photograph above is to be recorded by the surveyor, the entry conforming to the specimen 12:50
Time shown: 12:57
